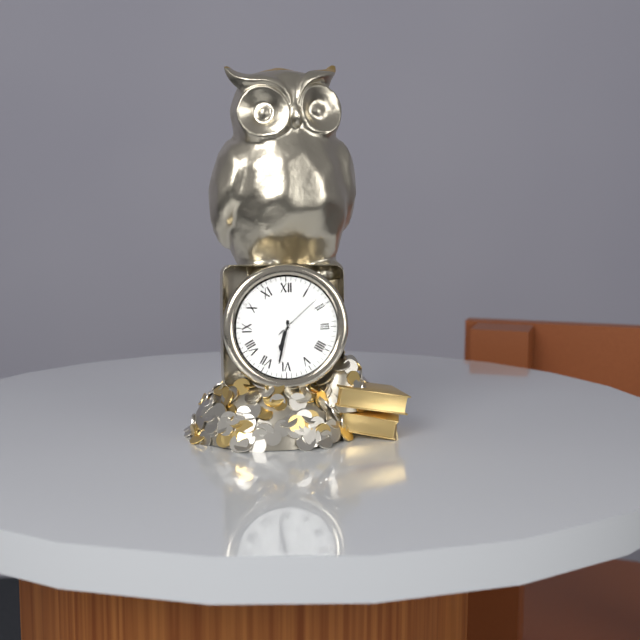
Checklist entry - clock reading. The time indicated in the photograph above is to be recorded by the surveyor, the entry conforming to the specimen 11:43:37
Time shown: 6:32:08
